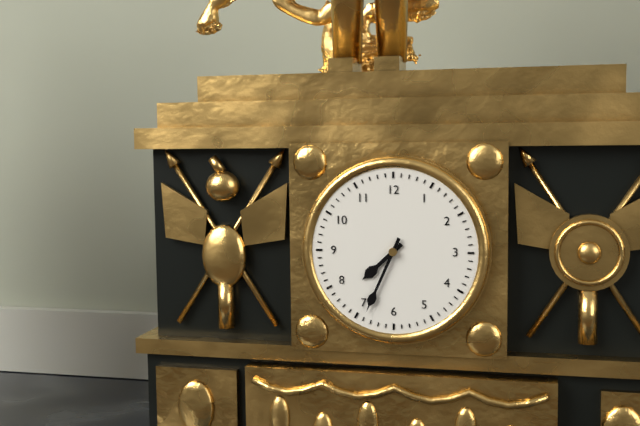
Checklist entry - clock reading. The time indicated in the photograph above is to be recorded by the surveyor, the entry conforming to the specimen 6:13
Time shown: 7:34
